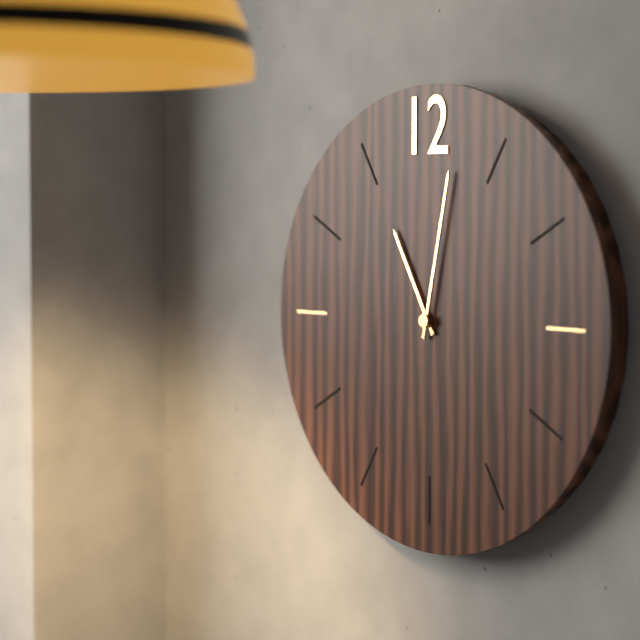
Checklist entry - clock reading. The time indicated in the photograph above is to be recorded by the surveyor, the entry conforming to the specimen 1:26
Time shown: 11:02
